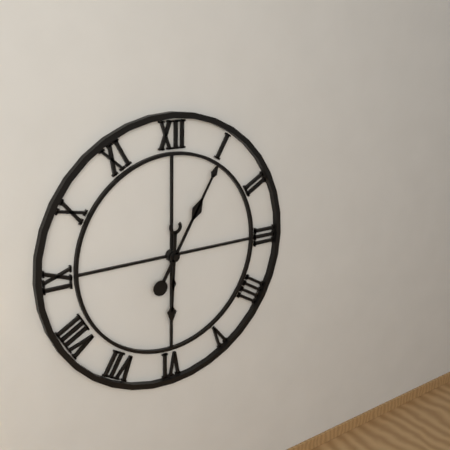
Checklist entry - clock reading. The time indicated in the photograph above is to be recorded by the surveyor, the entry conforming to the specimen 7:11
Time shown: 6:05
